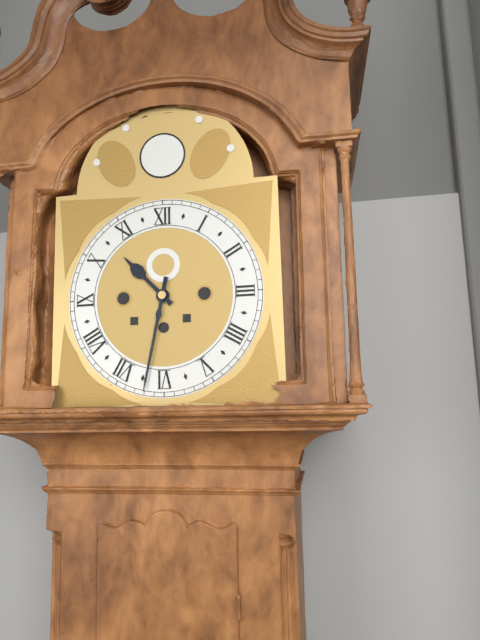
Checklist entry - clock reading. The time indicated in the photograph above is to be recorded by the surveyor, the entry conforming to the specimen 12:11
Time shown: 10:32
